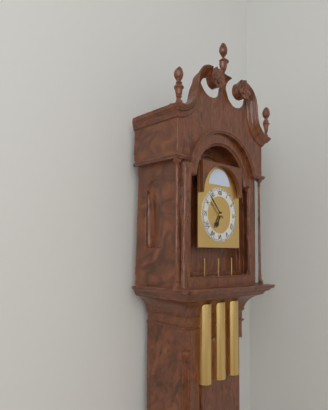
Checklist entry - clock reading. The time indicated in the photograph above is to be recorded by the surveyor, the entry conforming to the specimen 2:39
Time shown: 6:53
